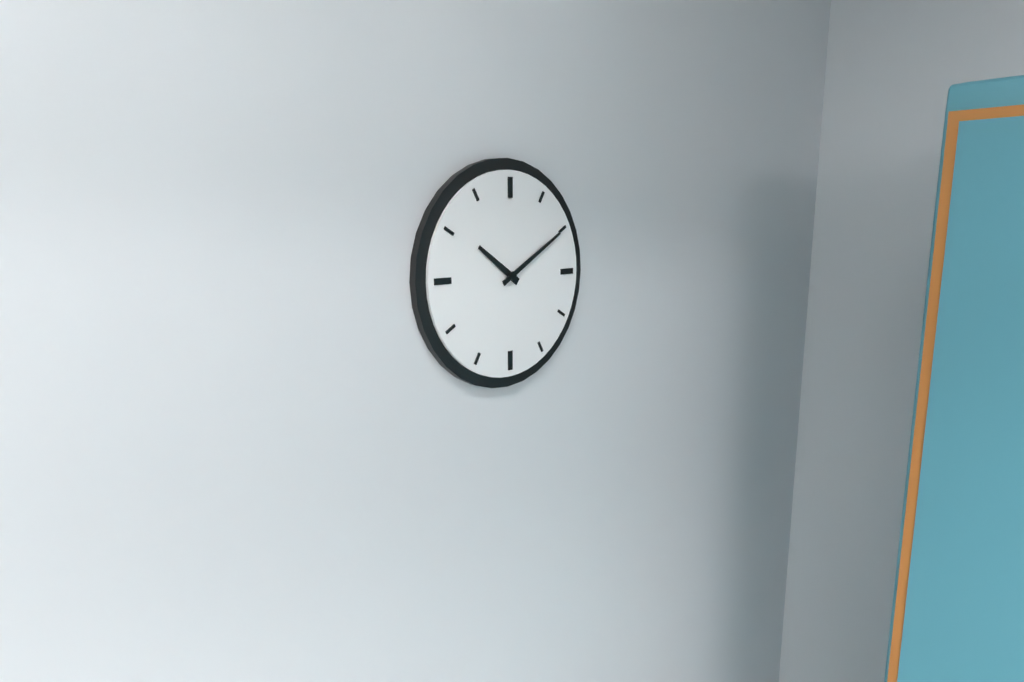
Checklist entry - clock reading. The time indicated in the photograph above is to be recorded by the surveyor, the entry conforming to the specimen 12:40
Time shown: 10:10
